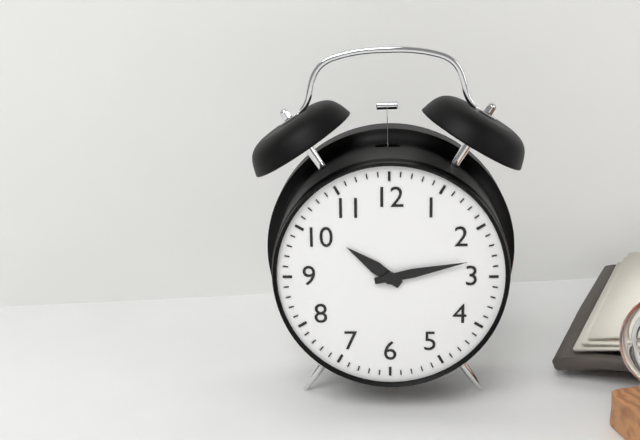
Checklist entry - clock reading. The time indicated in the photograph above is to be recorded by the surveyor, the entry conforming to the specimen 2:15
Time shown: 10:13
